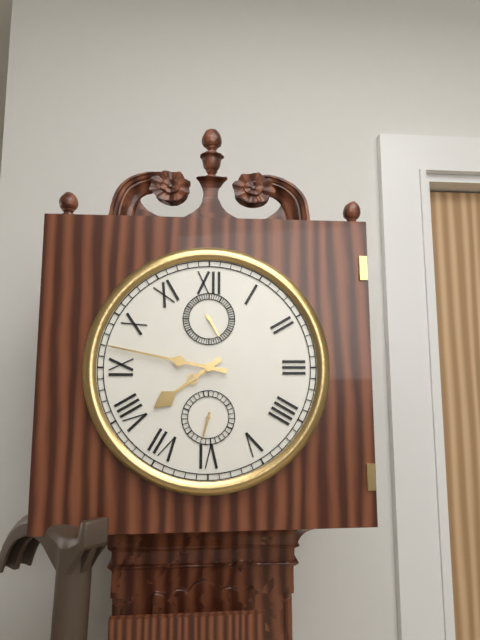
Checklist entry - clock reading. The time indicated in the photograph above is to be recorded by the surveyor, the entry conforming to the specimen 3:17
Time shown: 7:47
